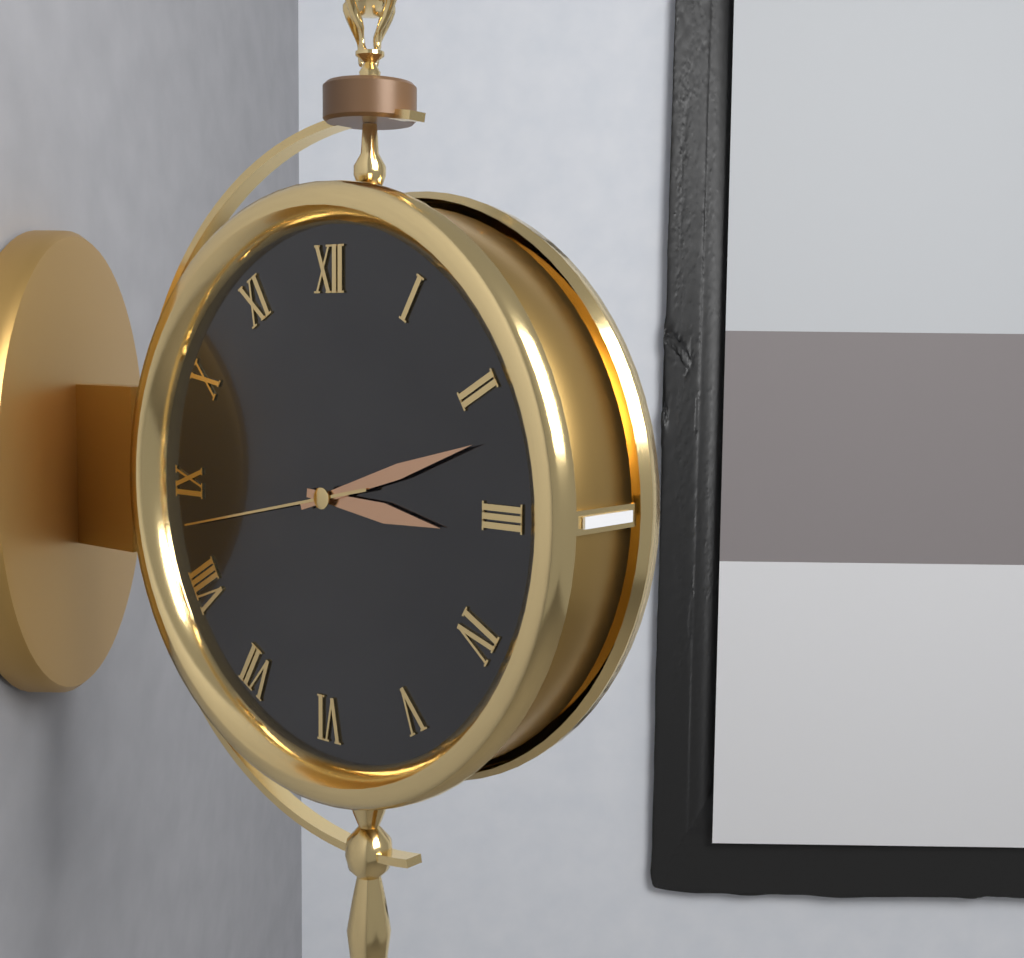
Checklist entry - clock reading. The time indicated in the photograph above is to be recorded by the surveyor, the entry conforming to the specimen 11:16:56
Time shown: 3:12:43
